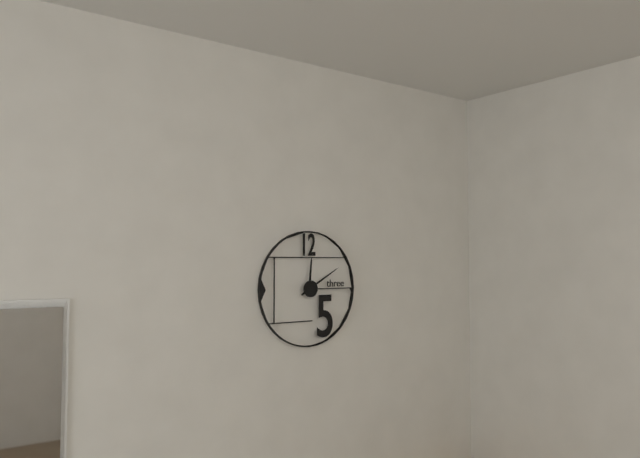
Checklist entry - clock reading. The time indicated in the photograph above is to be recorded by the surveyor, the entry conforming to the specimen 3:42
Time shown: 12:10
